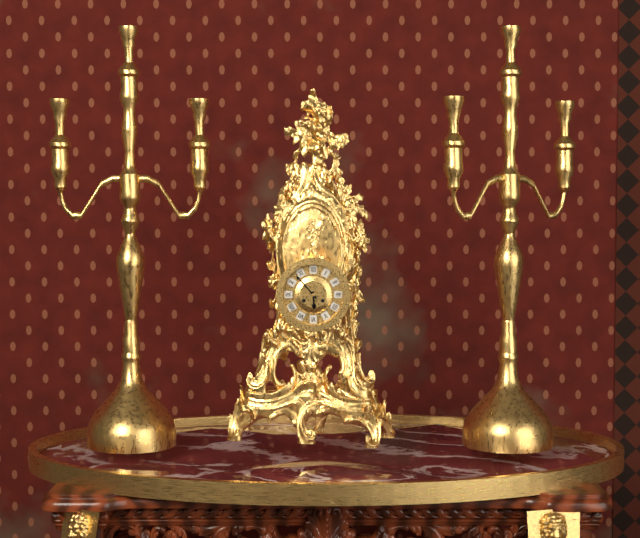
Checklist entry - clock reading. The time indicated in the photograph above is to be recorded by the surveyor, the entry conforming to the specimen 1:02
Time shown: 5:53
